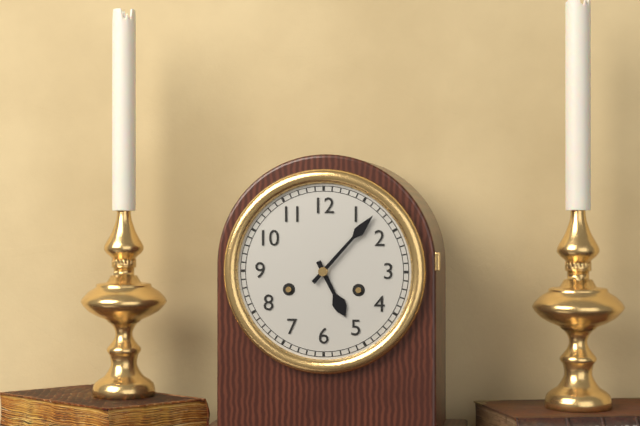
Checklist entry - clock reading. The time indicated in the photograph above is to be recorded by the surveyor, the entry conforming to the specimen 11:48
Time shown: 5:07
